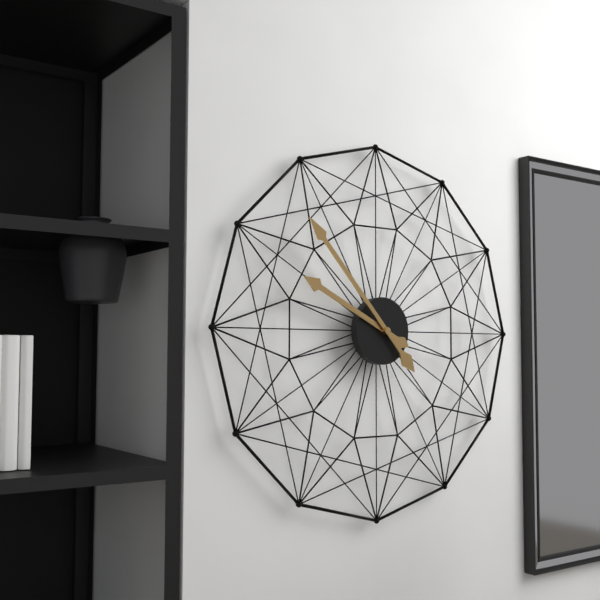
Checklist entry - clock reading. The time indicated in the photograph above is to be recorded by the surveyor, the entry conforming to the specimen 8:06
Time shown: 9:53
